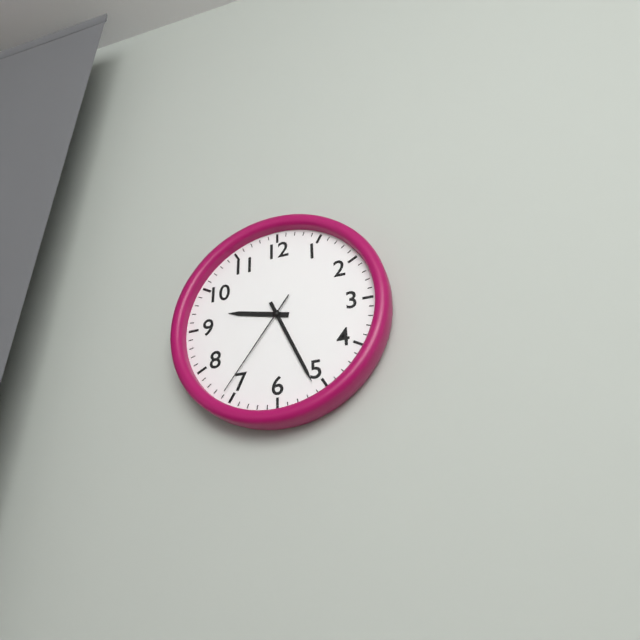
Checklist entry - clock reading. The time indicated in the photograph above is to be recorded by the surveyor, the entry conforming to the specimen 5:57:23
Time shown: 9:26:36
